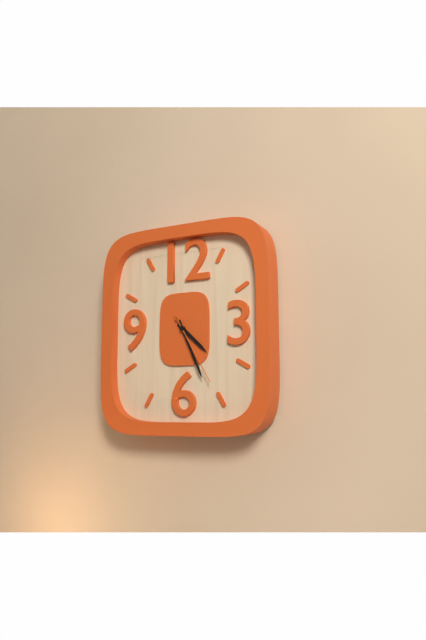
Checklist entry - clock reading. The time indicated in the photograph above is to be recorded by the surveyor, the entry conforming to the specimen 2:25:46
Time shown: 4:26:25
